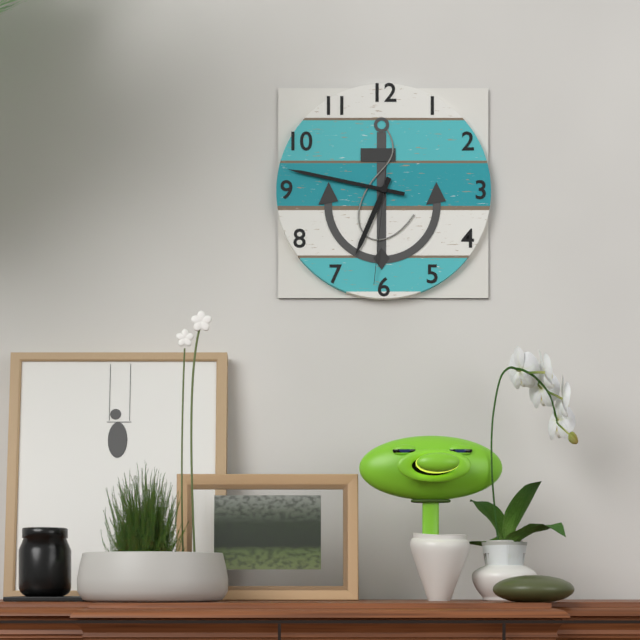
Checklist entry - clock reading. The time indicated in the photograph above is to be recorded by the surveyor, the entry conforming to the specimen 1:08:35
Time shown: 6:47:31
